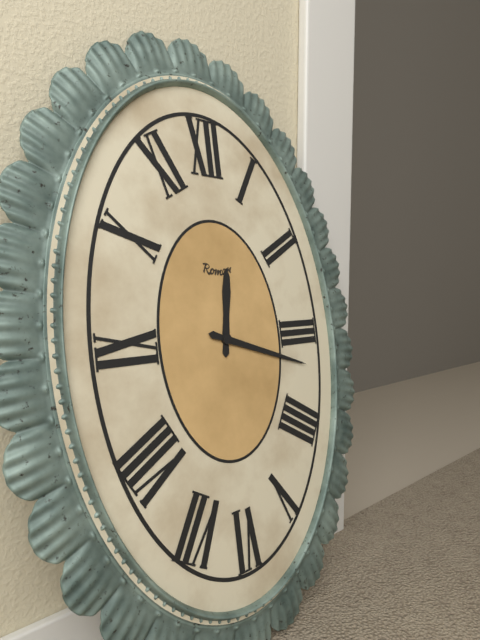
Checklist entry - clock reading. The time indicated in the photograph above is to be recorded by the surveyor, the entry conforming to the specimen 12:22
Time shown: 12:18
